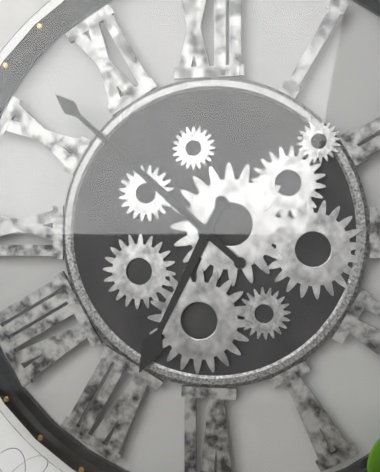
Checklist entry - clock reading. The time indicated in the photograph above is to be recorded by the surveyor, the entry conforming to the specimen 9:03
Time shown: 6:52
